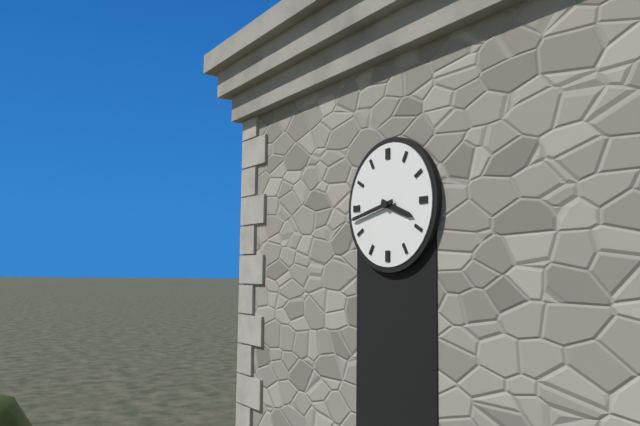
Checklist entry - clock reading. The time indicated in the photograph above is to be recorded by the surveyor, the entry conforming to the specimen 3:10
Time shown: 3:43
